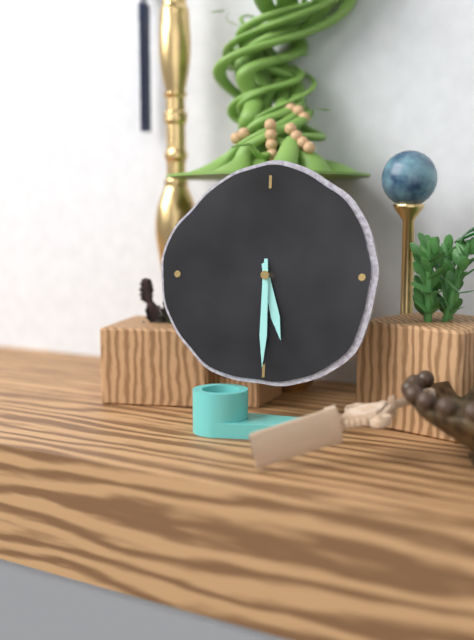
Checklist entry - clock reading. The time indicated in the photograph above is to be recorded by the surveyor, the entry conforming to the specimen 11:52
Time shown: 5:30
